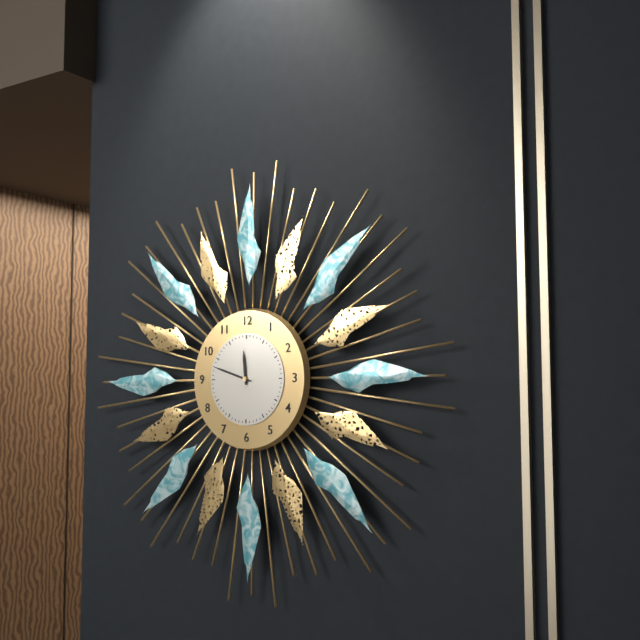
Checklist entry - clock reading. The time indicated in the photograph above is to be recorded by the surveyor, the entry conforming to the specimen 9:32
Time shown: 11:48
